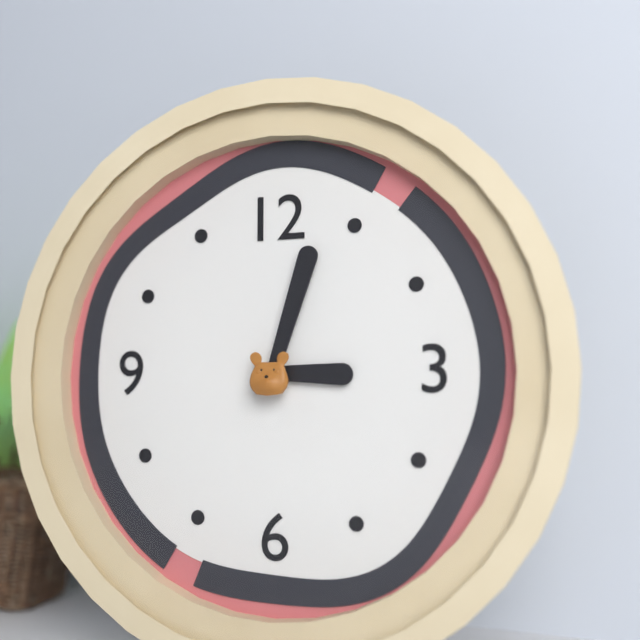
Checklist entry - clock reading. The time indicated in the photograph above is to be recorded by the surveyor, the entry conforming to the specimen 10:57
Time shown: 3:03
